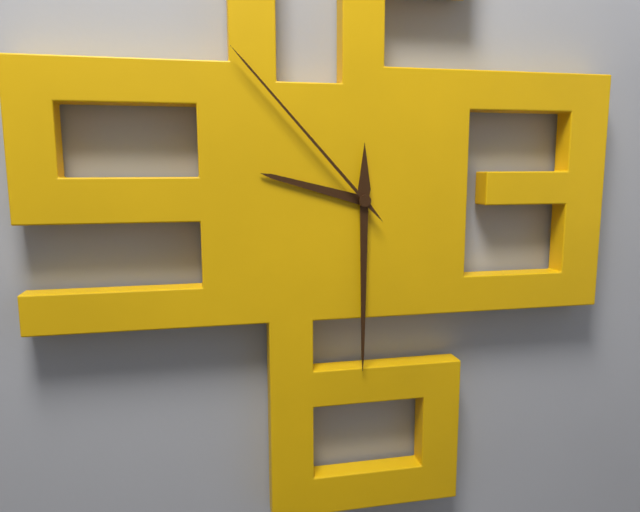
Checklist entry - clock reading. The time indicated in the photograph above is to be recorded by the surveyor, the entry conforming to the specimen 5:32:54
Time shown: 9:30:53
